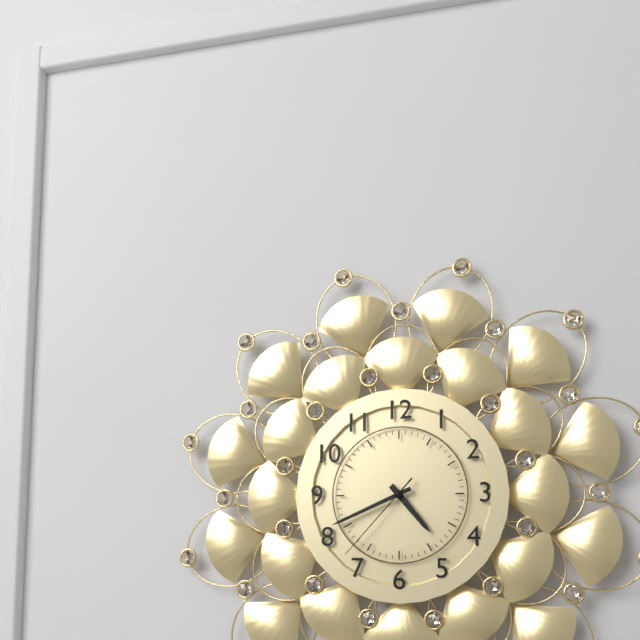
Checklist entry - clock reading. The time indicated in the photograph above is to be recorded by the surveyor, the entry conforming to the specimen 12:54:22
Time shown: 4:41:37
